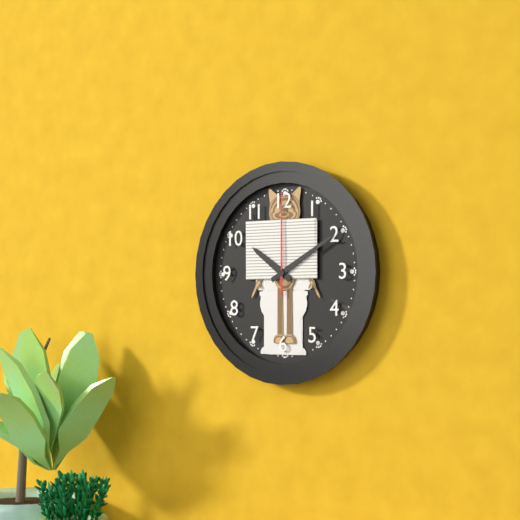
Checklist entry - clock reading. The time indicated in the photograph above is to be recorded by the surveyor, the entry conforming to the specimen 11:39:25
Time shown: 10:10:00
